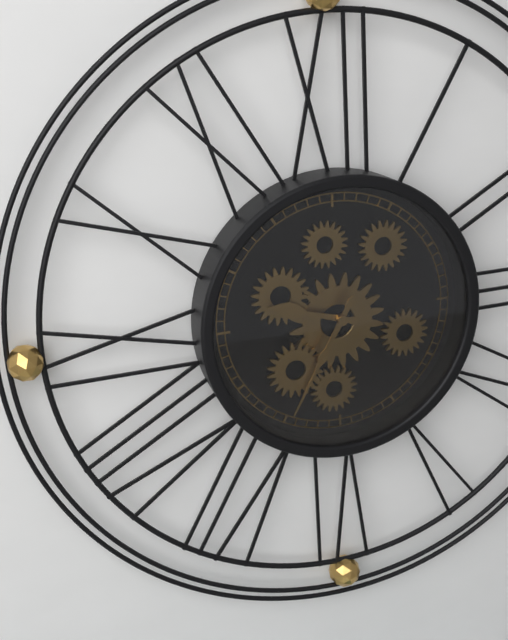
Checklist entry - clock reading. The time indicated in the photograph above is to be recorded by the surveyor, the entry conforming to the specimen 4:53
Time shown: 9:35
